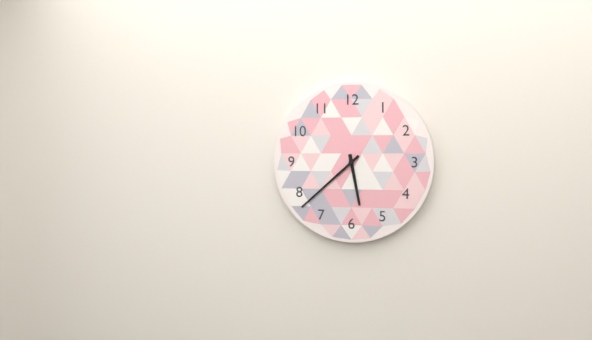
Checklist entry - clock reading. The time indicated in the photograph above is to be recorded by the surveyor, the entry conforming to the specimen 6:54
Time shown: 5:38
